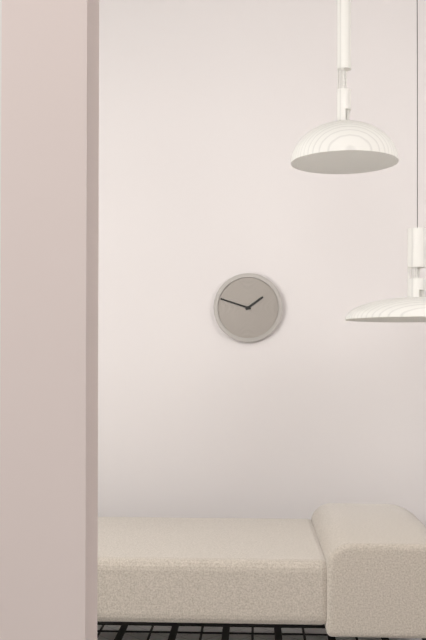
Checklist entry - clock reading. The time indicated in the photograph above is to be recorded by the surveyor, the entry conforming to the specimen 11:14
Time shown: 1:48
